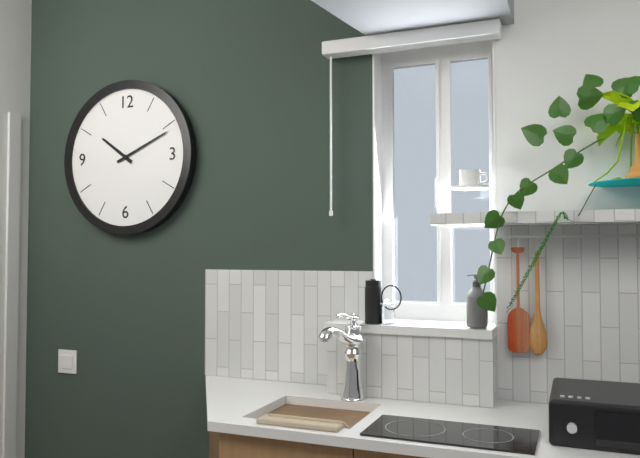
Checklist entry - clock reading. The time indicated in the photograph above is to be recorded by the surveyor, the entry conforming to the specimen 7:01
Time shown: 10:11
